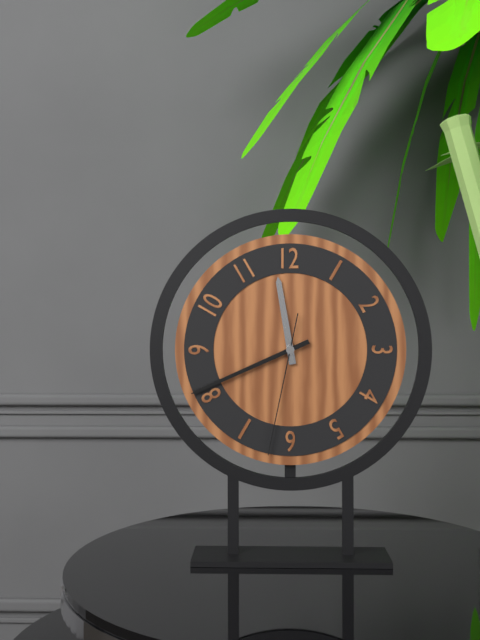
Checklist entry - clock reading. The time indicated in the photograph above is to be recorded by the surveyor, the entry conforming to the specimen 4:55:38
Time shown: 11:41:32
